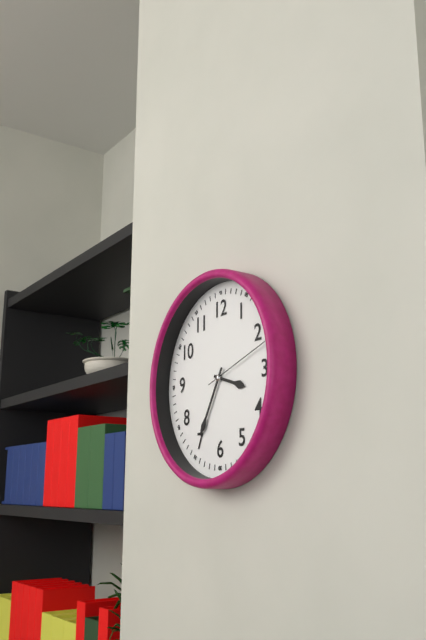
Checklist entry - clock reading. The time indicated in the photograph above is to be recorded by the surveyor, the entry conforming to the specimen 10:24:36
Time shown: 3:35:12
